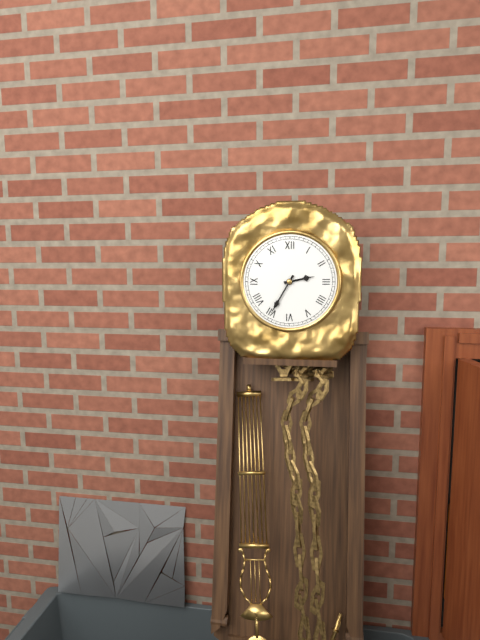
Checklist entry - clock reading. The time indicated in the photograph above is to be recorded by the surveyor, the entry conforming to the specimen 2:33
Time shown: 2:35
